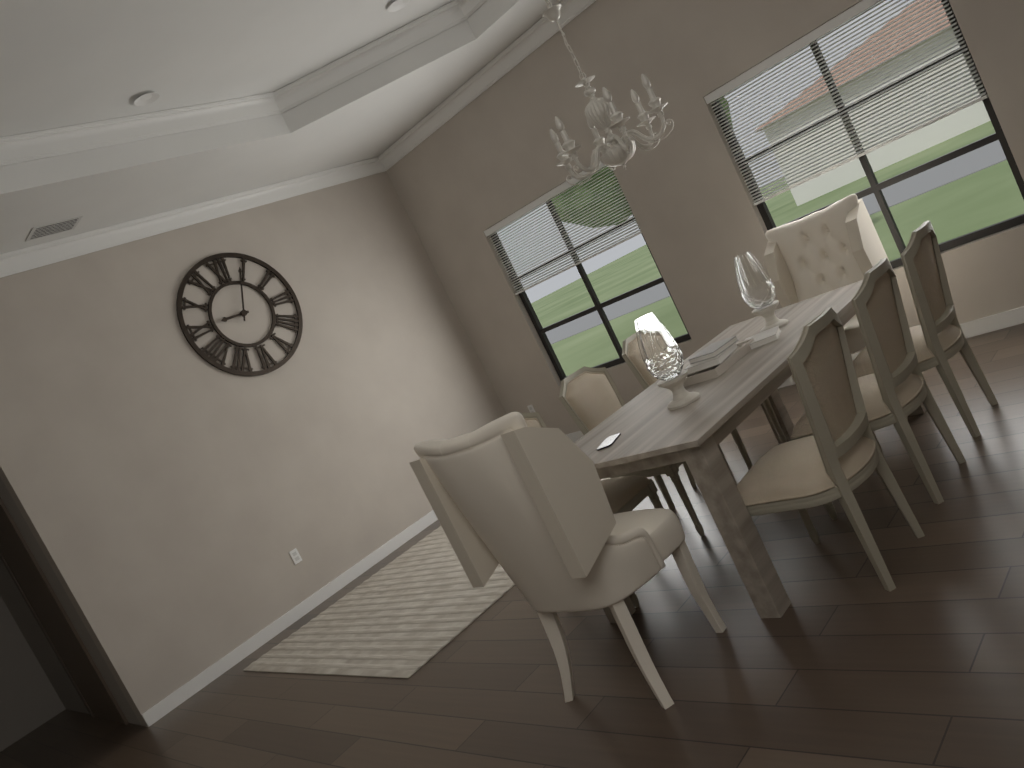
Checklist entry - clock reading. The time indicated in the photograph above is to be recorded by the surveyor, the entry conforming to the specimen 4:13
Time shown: 9:04
